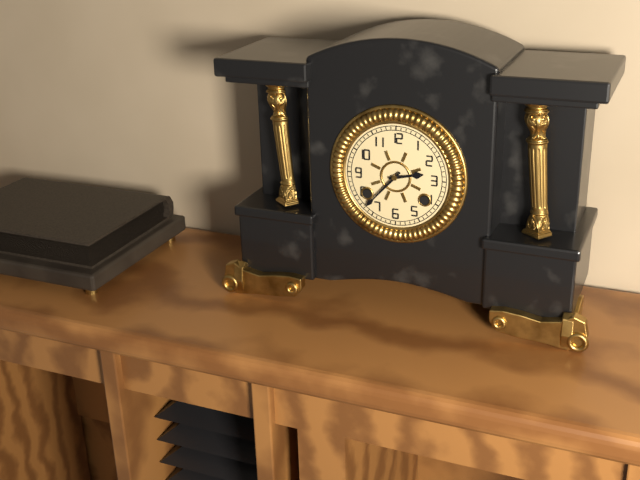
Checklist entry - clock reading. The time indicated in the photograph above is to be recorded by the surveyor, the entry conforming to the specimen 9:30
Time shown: 2:37
